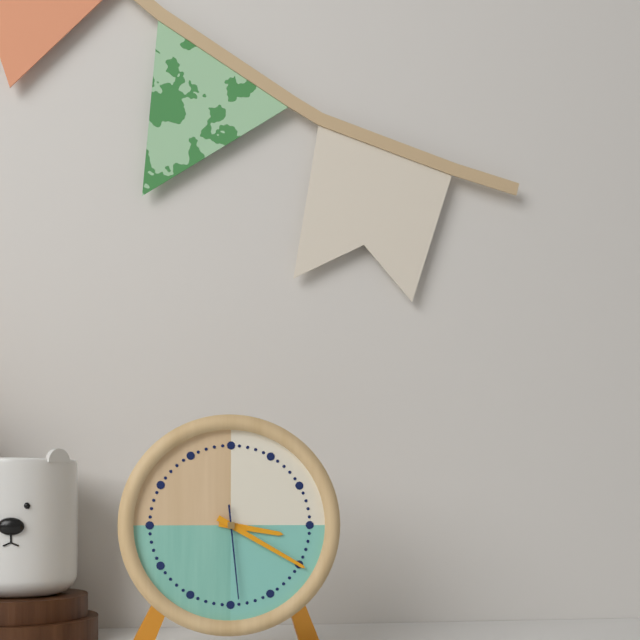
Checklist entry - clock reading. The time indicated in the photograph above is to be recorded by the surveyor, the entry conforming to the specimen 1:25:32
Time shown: 3:20:29
